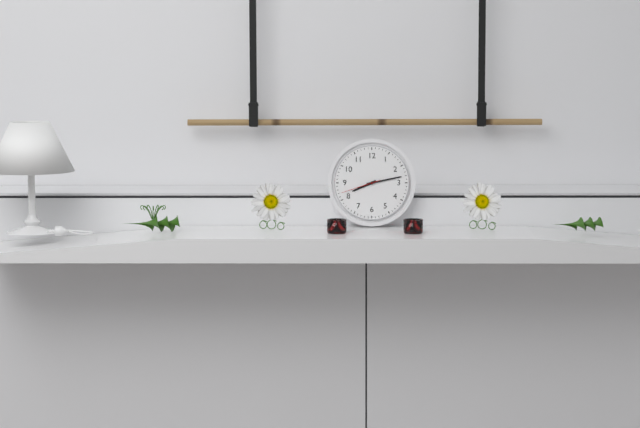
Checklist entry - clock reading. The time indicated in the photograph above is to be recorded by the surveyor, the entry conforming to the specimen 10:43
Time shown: 8:13
